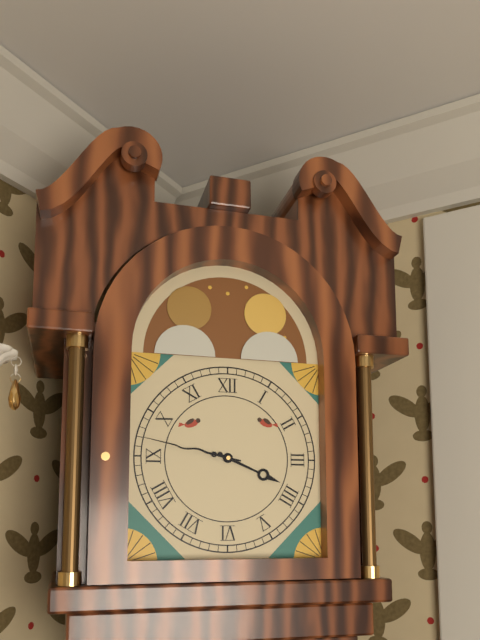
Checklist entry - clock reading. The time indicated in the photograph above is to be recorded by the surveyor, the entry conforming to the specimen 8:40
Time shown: 3:47
